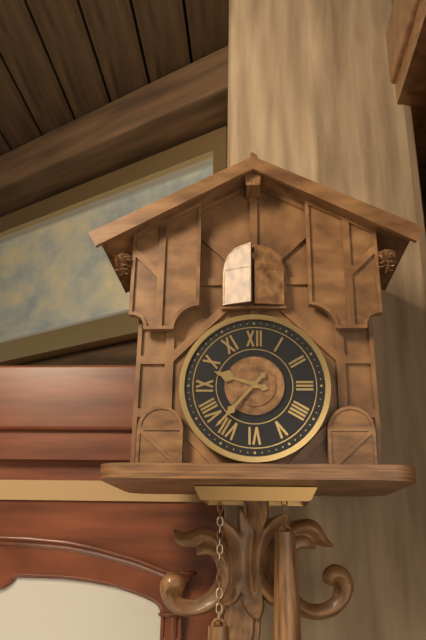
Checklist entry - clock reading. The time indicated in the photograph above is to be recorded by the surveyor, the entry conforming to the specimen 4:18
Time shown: 9:37
